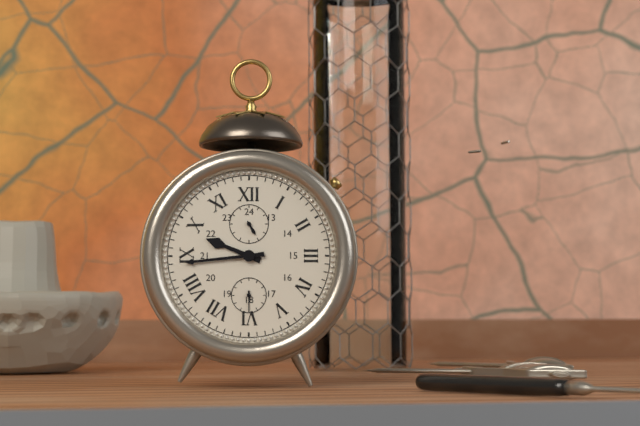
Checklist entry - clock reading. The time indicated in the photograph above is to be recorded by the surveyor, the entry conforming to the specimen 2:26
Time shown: 9:44
